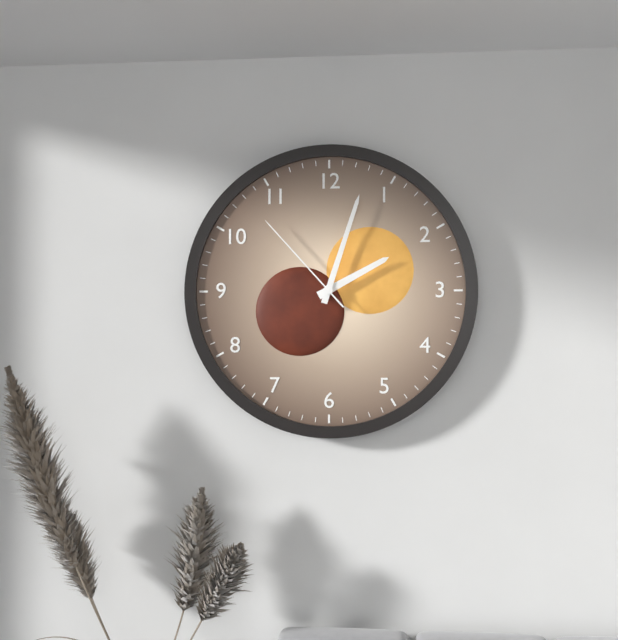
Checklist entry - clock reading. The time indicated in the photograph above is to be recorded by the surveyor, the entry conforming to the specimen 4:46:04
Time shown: 2:03:53
